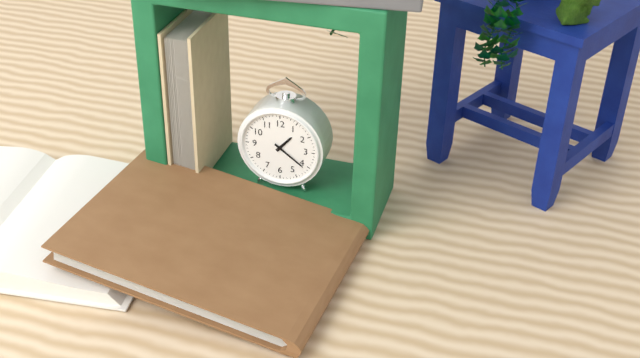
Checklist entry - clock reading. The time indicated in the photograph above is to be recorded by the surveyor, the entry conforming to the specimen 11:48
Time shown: 1:21
